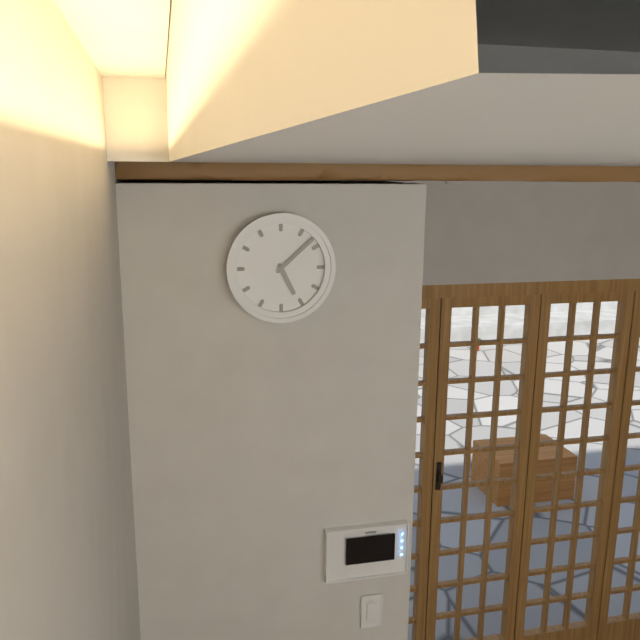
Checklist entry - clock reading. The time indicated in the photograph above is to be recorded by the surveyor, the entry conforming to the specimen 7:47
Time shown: 5:08
